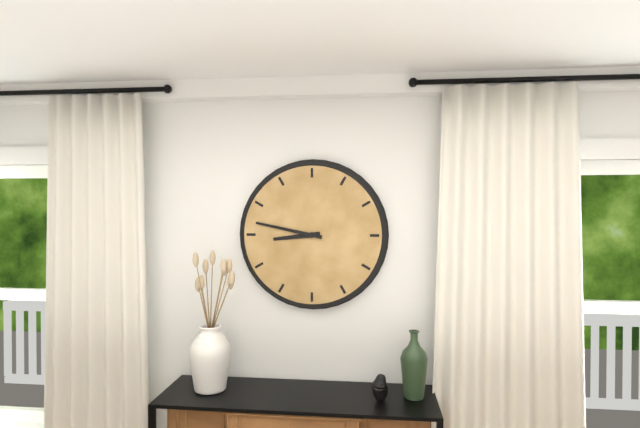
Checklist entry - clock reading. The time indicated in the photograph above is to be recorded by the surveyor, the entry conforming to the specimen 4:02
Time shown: 8:47
